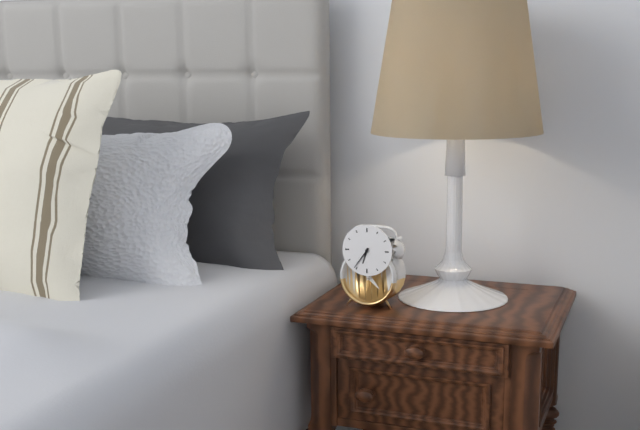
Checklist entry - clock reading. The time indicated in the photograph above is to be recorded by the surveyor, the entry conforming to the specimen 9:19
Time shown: 6:36
